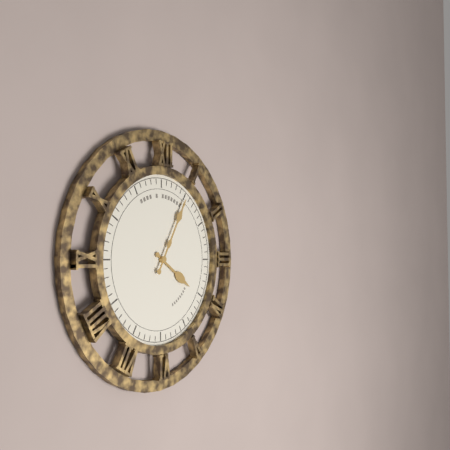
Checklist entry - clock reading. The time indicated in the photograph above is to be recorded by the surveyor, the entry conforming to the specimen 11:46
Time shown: 4:05
